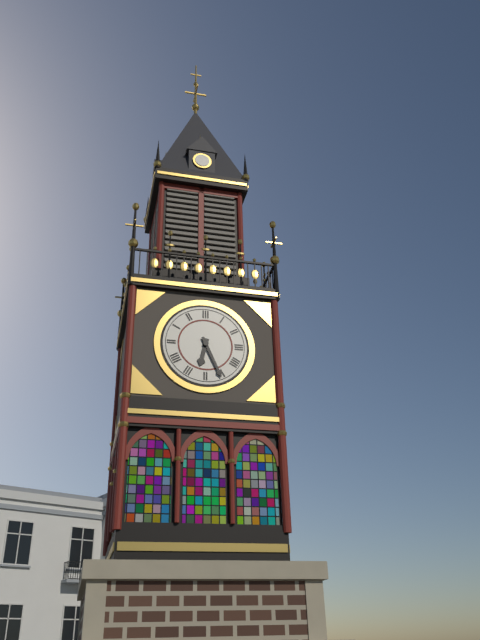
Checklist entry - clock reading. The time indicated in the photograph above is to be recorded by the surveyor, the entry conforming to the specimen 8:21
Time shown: 6:26
